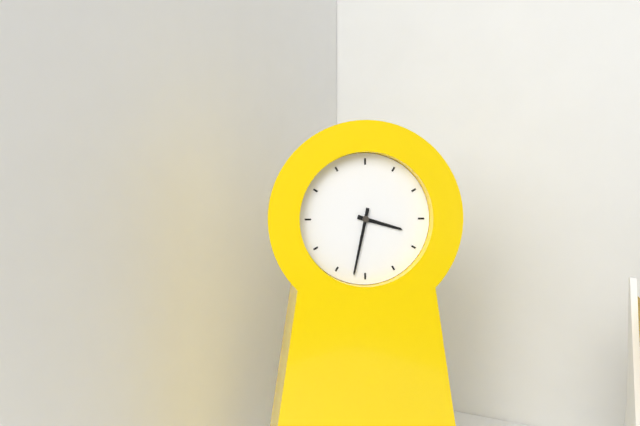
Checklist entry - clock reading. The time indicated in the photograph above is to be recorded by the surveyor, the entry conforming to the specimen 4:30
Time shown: 3:32
